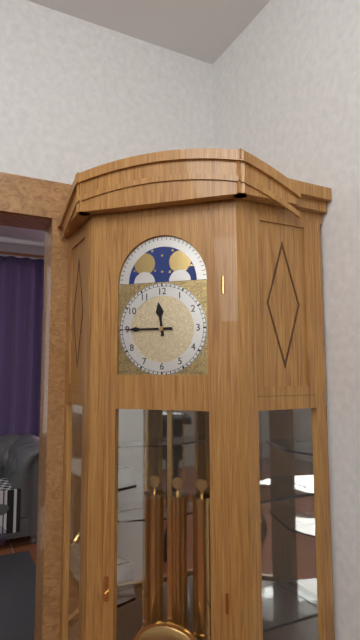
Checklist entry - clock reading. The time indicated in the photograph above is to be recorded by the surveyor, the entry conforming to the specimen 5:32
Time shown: 11:45
